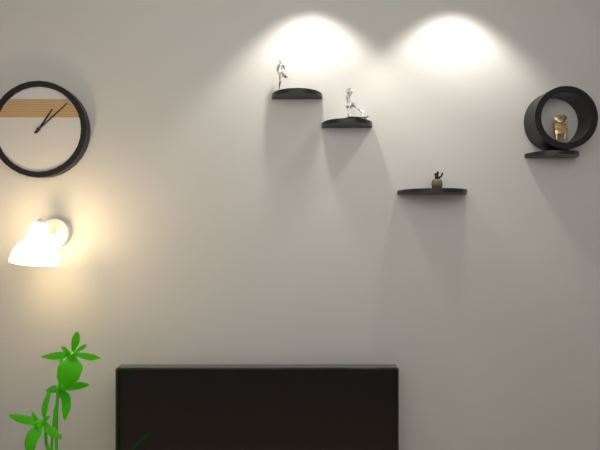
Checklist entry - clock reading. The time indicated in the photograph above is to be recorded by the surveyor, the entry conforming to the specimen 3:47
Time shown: 1:08
